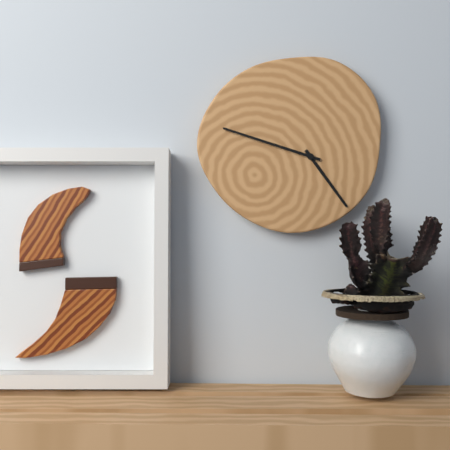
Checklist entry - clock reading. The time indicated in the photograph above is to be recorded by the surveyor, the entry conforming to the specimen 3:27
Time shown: 4:48
